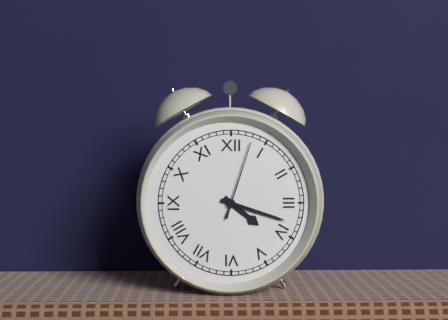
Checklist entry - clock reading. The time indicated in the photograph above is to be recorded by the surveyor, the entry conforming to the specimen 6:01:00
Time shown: 4:18:03
